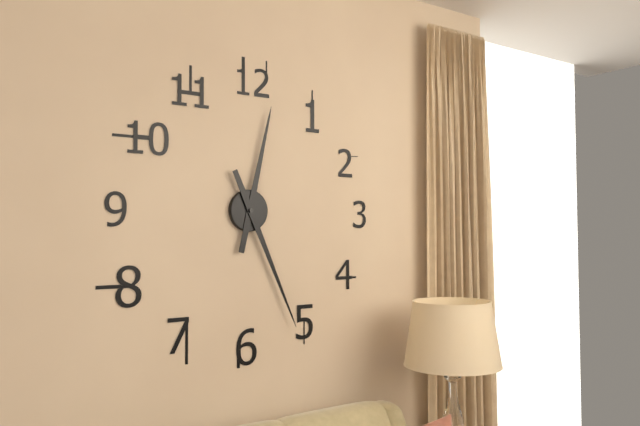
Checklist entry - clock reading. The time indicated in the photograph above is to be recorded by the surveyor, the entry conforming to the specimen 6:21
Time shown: 12:26
